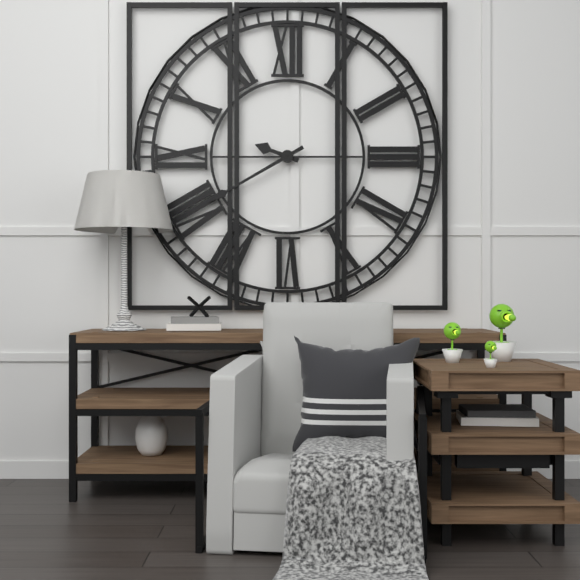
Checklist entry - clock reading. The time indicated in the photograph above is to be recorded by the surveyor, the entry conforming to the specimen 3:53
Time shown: 9:40
